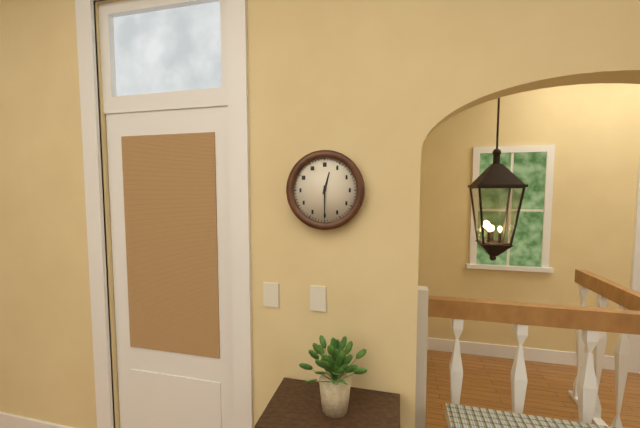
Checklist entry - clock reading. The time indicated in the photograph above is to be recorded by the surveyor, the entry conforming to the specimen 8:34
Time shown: 12:30
